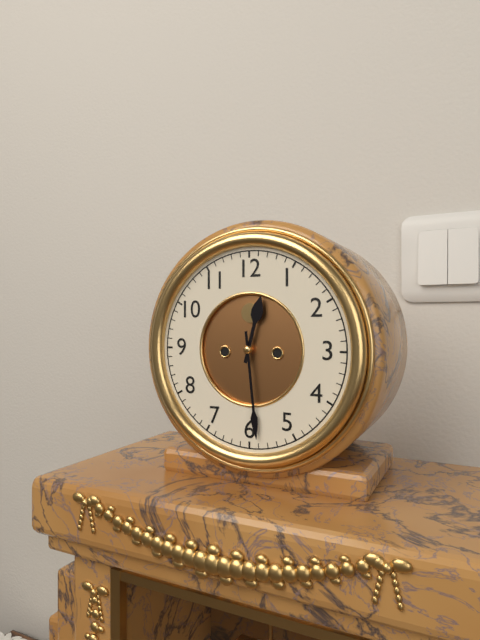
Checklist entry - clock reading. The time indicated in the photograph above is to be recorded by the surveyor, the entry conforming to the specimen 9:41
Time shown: 12:29
